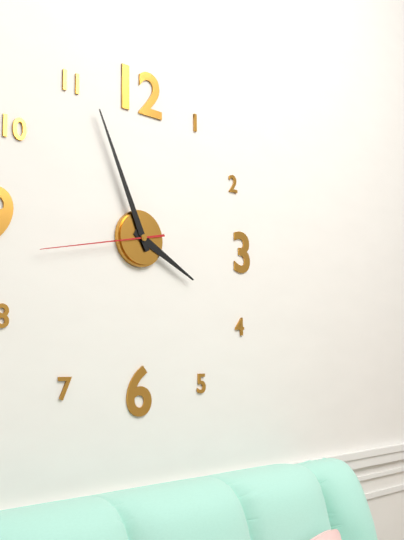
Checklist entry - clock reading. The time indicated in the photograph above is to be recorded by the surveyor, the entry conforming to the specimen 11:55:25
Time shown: 3:56:43
